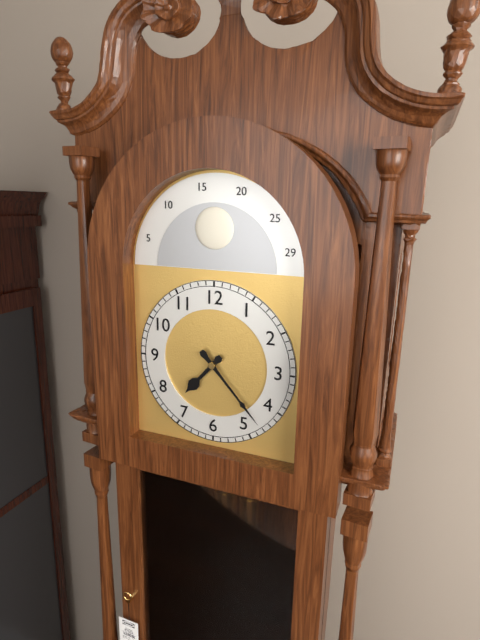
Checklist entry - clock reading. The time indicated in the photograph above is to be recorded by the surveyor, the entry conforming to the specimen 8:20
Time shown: 7:23
